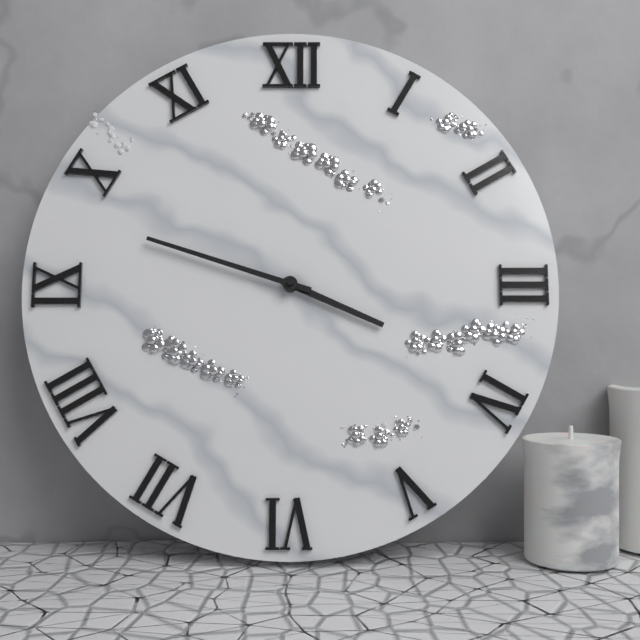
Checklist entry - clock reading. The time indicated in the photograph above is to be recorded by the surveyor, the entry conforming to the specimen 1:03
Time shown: 3:48
